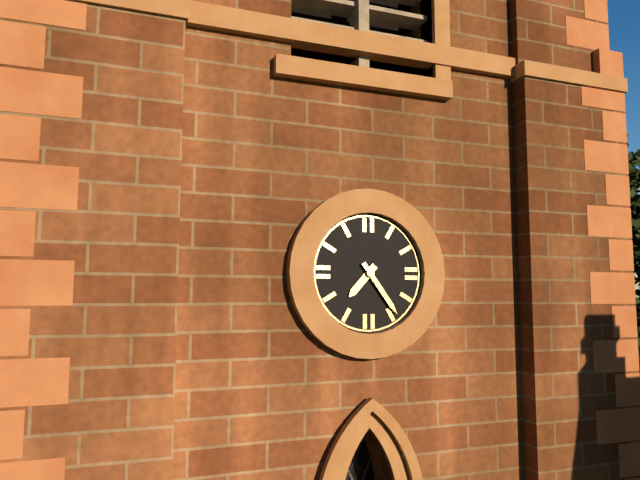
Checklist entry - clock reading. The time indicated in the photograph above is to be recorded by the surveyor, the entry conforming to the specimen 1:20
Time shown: 7:24
